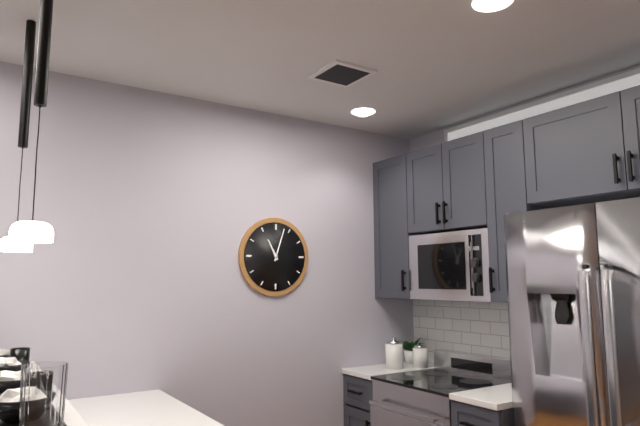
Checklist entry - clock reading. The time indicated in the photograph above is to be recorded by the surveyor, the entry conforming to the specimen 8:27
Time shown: 11:03
